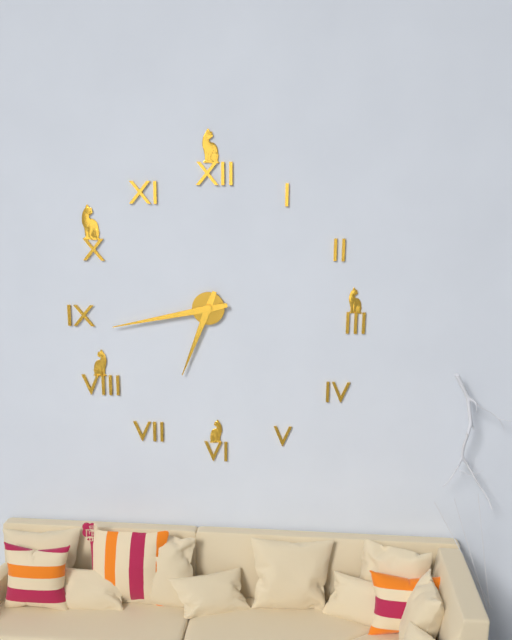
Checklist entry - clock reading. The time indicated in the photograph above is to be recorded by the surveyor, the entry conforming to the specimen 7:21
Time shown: 6:43
